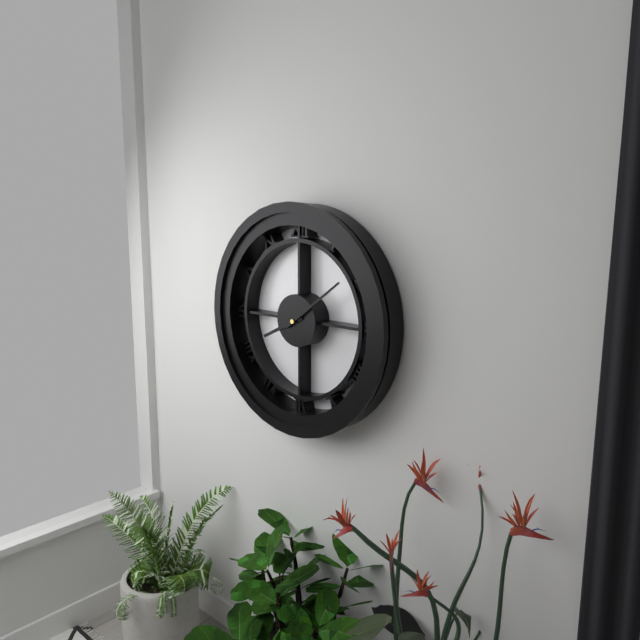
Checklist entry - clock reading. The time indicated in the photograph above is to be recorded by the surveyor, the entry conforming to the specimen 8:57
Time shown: 8:09
